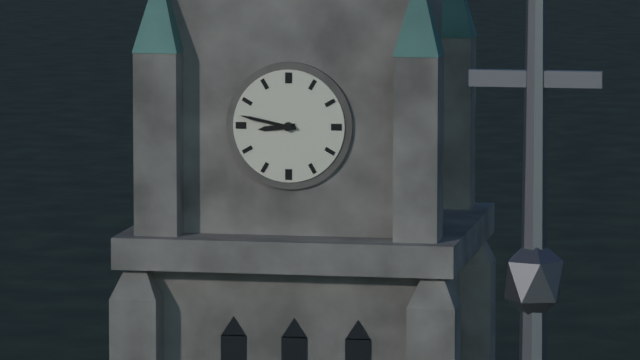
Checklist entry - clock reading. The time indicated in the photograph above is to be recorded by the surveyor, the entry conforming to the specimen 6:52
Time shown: 8:47
